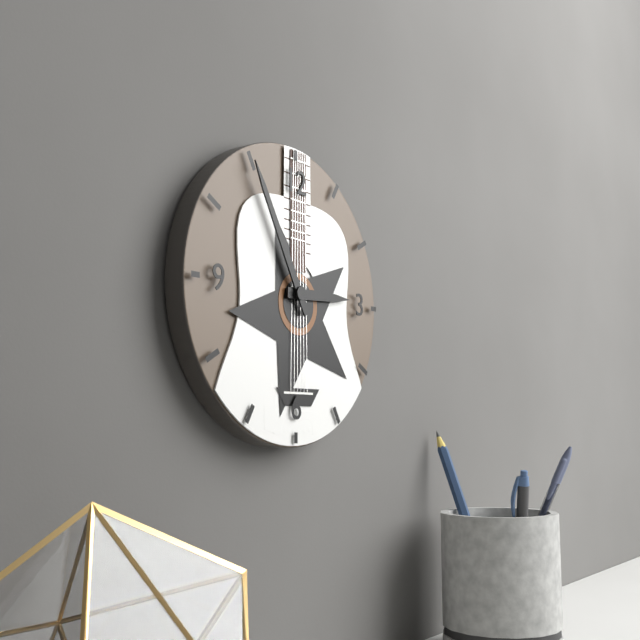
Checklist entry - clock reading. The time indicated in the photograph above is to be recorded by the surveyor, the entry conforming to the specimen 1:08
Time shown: 2:55
